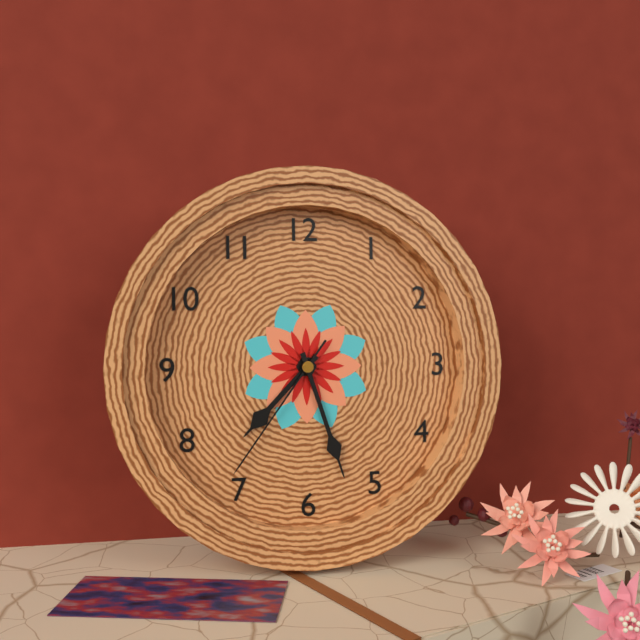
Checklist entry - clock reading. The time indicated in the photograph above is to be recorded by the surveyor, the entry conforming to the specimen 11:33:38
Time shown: 7:27:36
